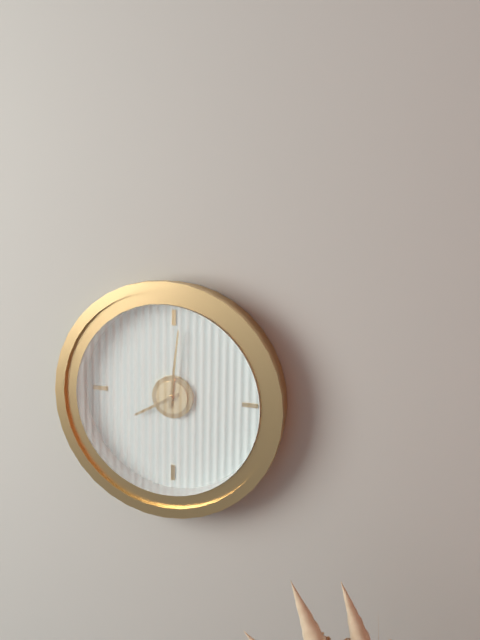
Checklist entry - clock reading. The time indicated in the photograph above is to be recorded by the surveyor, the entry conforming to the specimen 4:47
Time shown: 8:01
